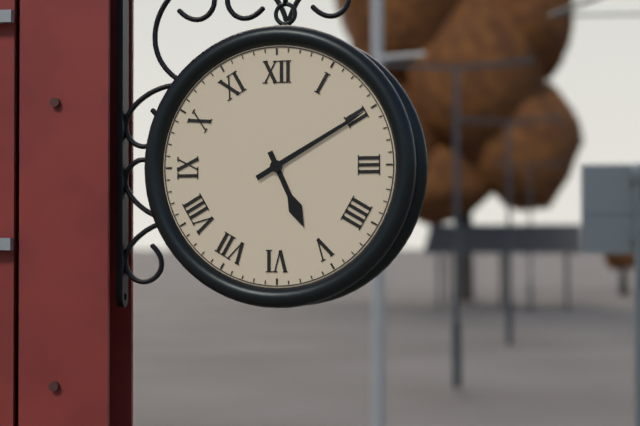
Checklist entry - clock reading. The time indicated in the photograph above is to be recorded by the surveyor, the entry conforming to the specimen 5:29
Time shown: 5:10
